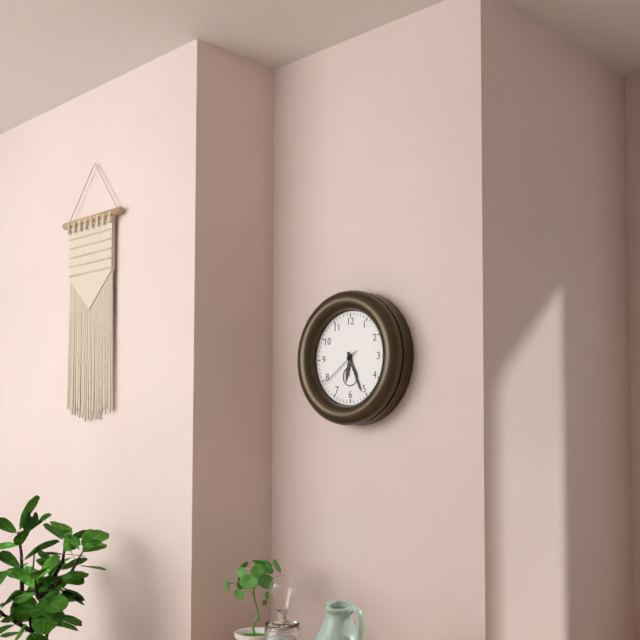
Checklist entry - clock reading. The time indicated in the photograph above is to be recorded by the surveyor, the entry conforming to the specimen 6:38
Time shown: 6:26
